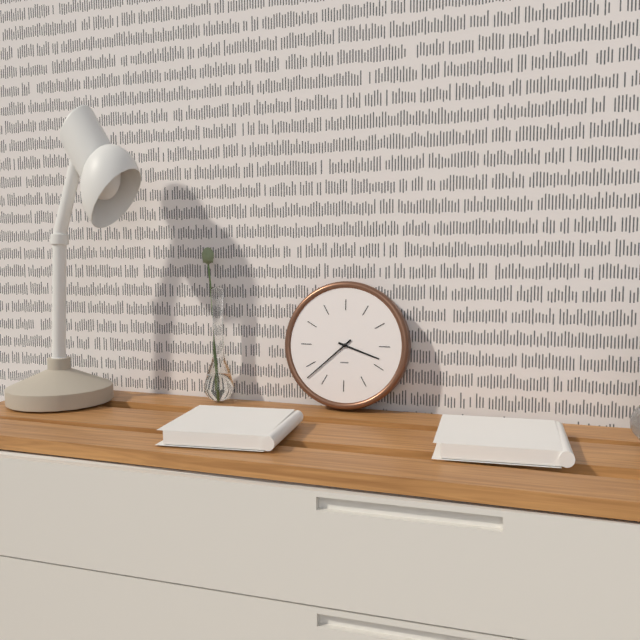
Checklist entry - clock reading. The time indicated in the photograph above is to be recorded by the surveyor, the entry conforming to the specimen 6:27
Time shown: 3:38
